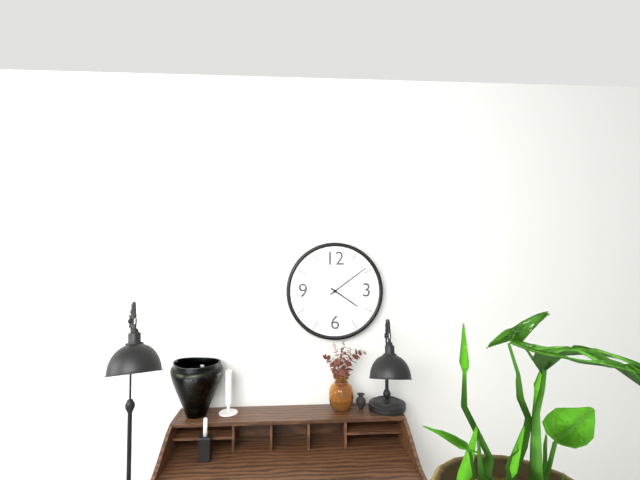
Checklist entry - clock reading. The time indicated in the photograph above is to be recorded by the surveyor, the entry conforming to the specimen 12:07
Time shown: 4:09
